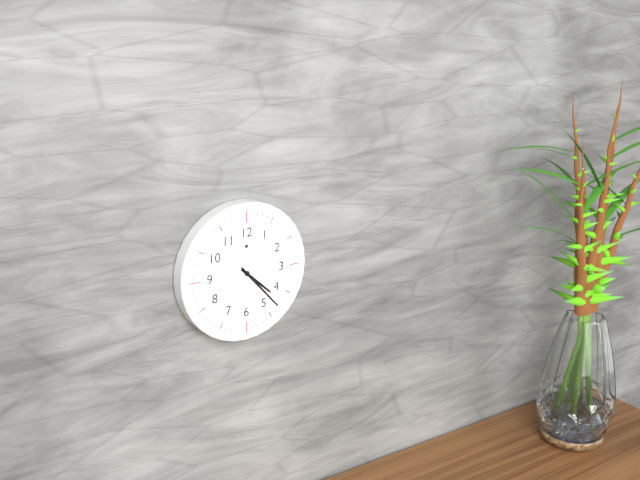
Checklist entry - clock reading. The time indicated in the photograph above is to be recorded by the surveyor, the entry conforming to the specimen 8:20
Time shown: 4:23
